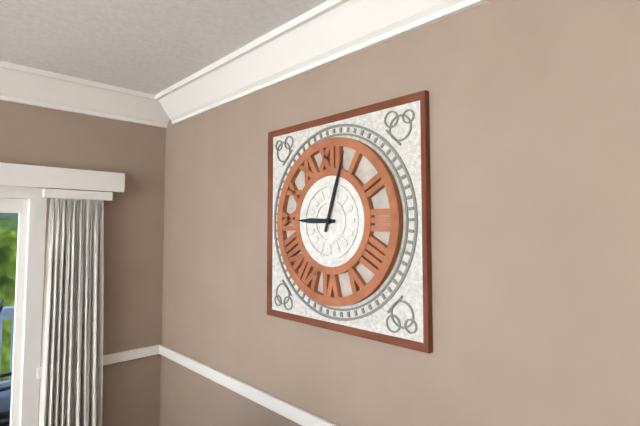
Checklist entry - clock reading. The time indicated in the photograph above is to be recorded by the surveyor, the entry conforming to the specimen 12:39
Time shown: 9:03
